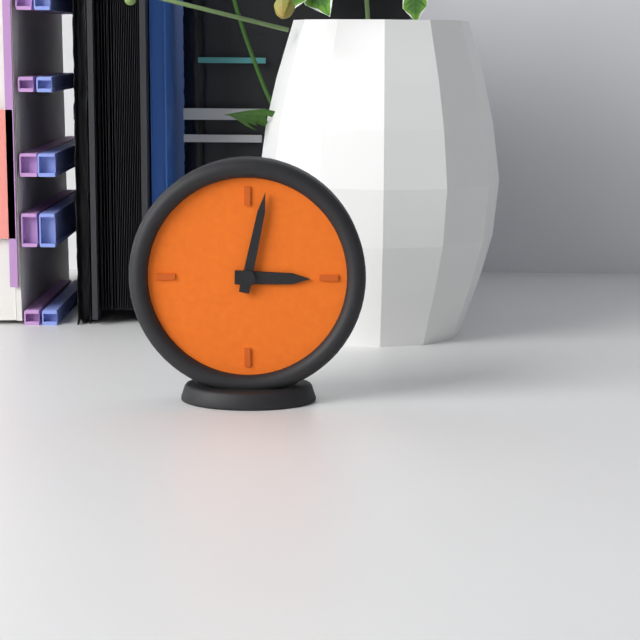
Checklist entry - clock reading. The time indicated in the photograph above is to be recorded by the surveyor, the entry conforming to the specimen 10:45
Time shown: 3:02
